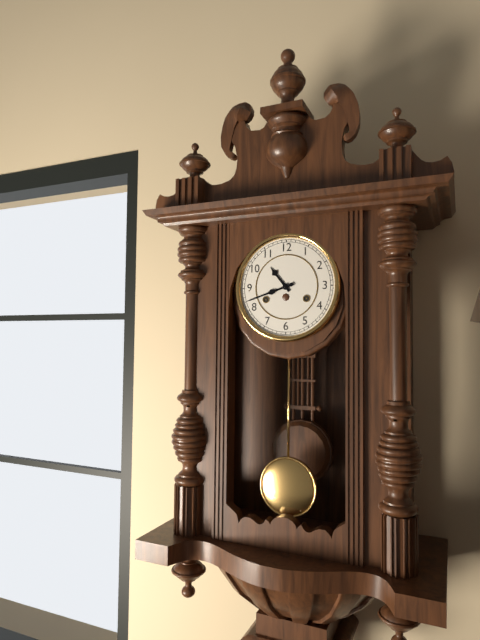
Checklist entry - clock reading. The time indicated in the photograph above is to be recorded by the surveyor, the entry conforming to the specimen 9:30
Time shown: 10:42
